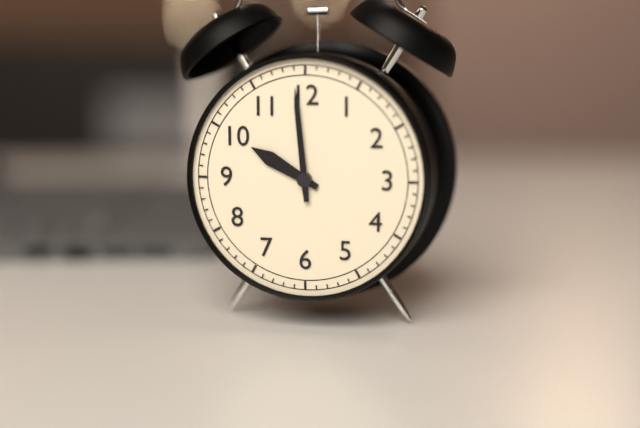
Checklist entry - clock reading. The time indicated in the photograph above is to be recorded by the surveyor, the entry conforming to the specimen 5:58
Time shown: 9:59
